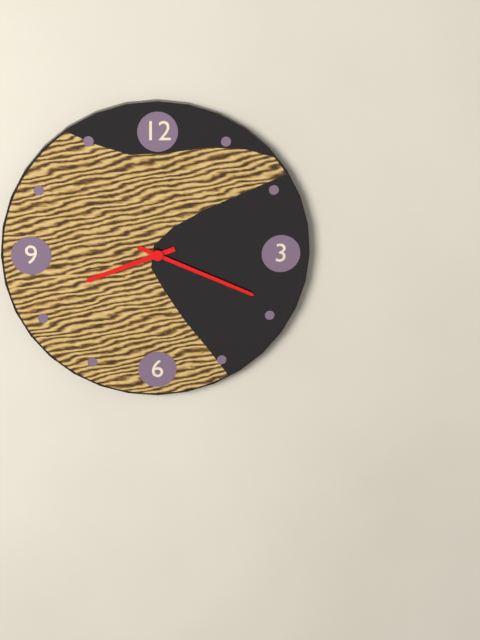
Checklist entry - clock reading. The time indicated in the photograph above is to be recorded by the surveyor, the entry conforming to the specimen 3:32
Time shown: 8:19
